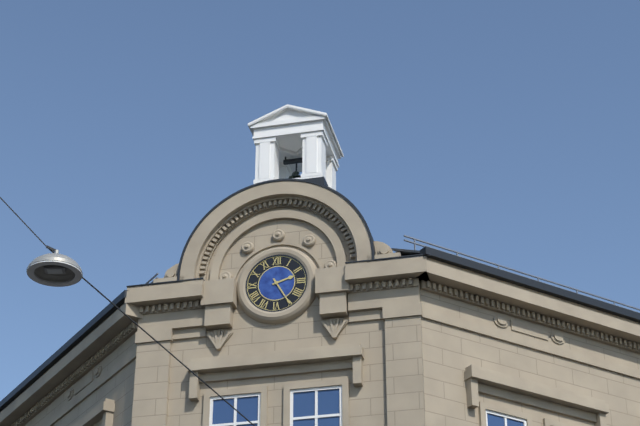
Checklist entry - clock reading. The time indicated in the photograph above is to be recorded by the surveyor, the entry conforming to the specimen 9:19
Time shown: 2:25
